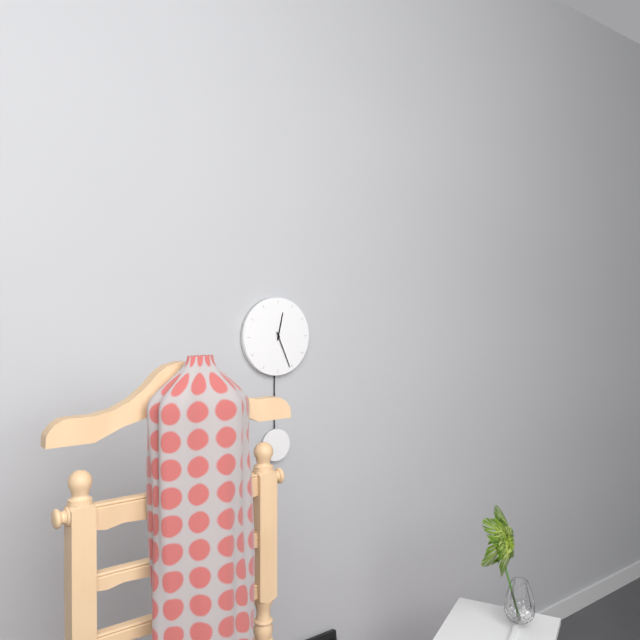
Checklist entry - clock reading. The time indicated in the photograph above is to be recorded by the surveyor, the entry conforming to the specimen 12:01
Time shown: 12:26
